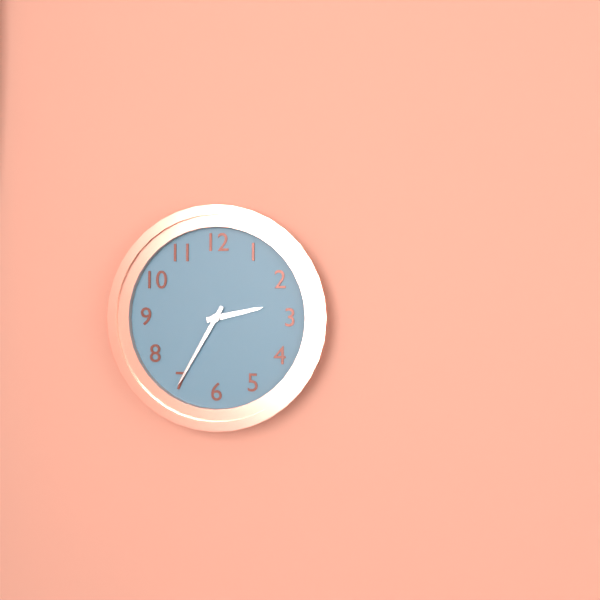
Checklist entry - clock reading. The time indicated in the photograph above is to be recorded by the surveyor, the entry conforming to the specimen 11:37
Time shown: 2:35
